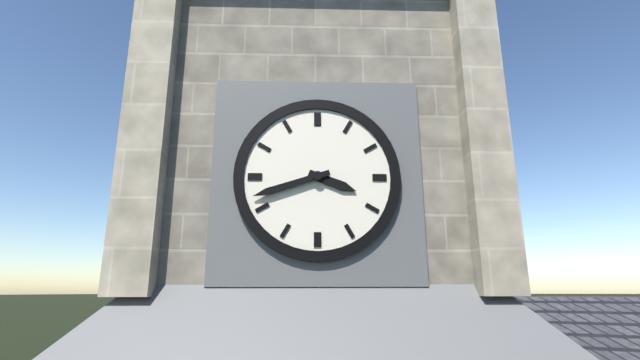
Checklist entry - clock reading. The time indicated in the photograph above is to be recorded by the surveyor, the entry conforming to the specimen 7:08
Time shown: 3:42
